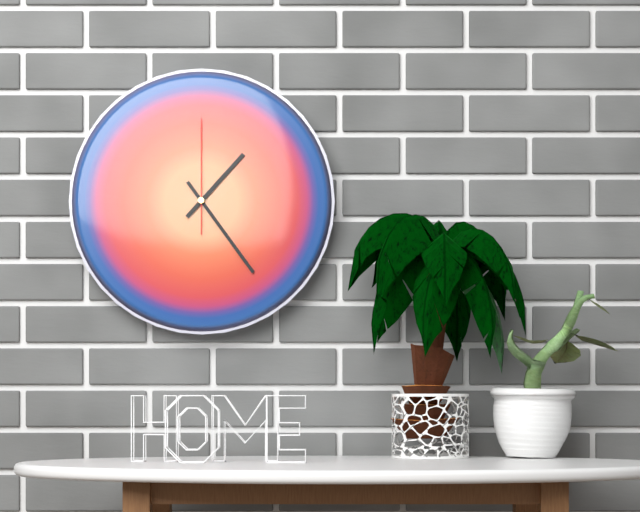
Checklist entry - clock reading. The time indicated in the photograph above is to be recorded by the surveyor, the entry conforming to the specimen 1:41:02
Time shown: 1:24:00
